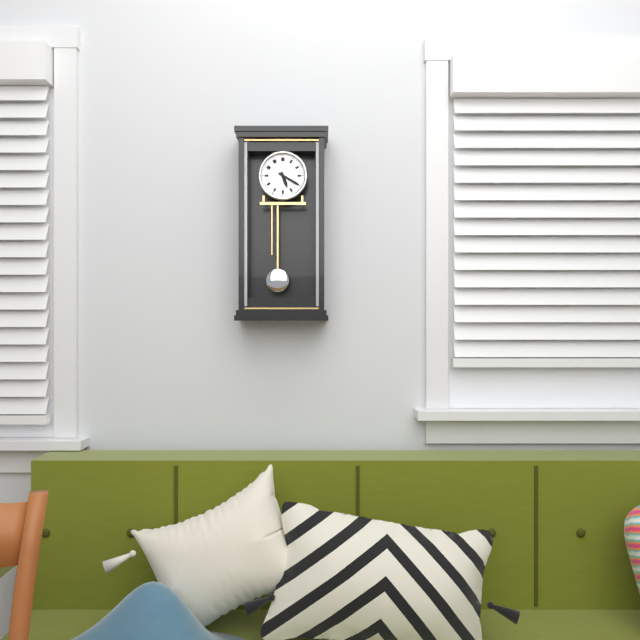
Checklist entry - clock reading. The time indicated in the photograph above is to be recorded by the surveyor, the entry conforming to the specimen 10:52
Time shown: 5:20
